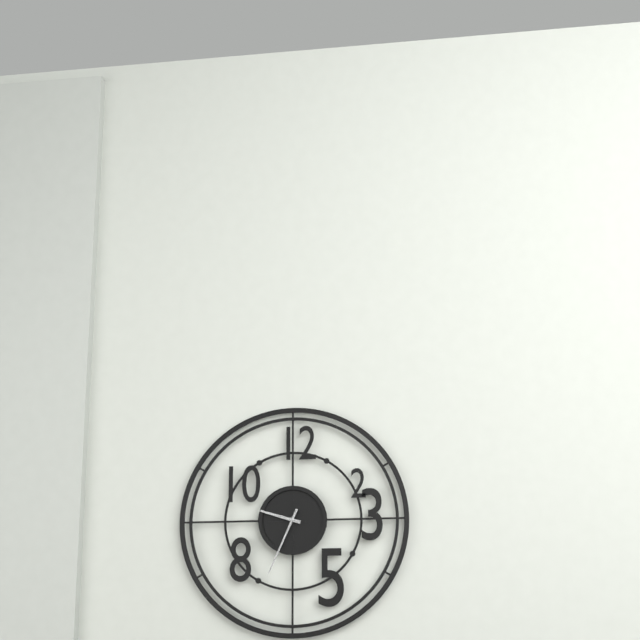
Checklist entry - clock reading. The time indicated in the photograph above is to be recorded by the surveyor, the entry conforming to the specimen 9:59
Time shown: 9:34
